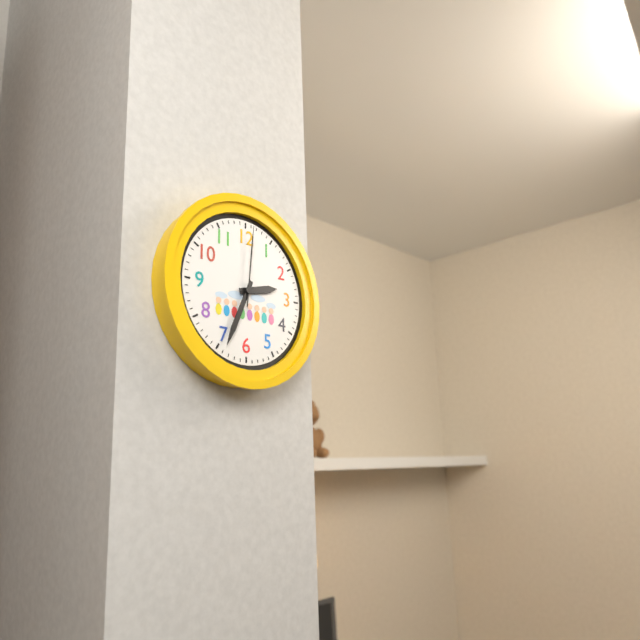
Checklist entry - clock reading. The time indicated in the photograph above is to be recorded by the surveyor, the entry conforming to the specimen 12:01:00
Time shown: 2:34:01
